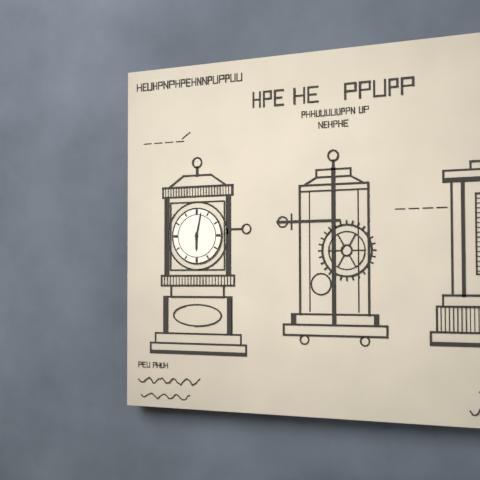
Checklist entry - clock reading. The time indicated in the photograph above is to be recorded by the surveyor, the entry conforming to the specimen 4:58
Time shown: 6:02
